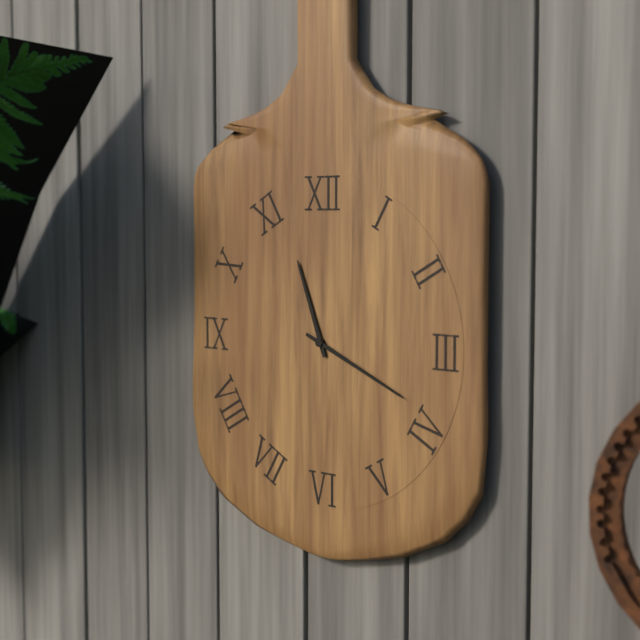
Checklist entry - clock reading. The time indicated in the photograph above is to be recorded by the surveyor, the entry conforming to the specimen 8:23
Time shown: 11:19
